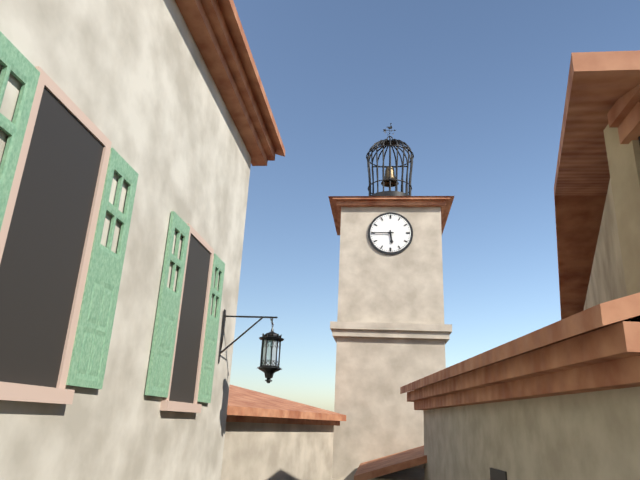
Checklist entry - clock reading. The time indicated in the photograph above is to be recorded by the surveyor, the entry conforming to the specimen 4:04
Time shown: 5:45
